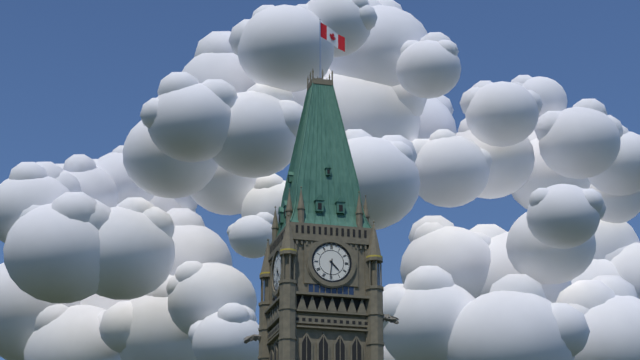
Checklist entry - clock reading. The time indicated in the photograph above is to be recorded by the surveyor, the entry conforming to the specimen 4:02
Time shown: 4:31
